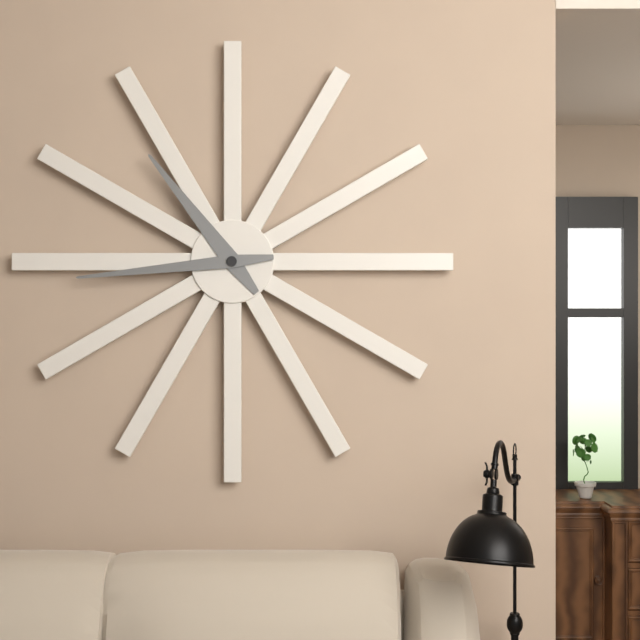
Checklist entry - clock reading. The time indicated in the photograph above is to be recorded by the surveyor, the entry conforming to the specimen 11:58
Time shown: 10:44
